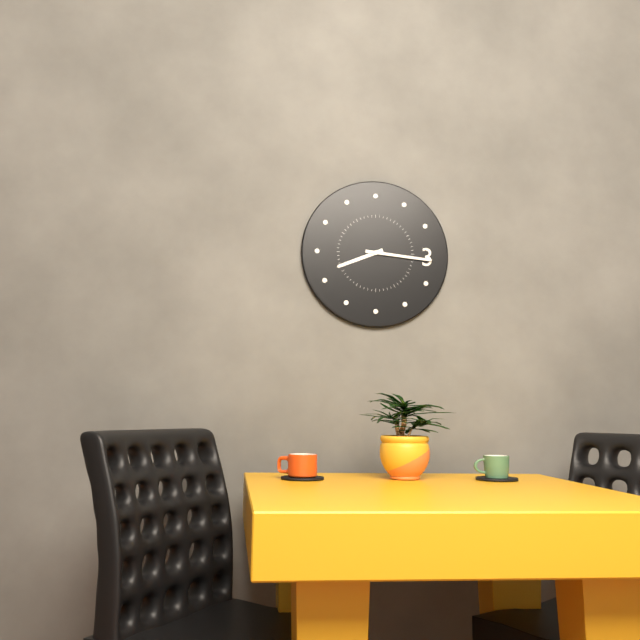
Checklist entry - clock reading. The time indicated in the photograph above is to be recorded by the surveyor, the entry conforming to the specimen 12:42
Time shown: 8:16
